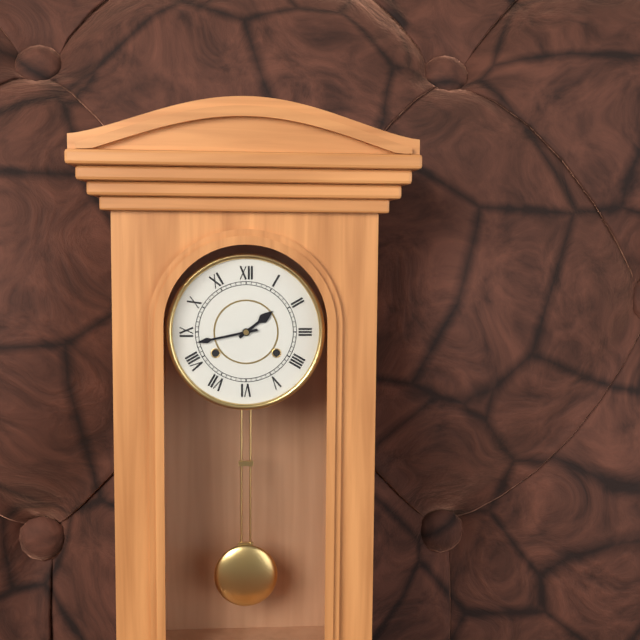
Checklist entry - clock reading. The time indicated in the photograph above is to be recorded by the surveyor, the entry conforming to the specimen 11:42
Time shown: 1:43
